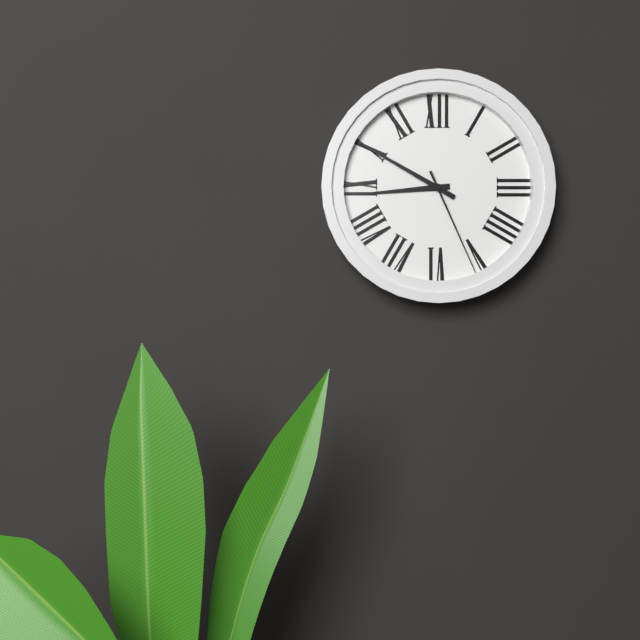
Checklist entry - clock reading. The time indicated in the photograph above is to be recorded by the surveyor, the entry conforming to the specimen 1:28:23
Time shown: 8:50:26
